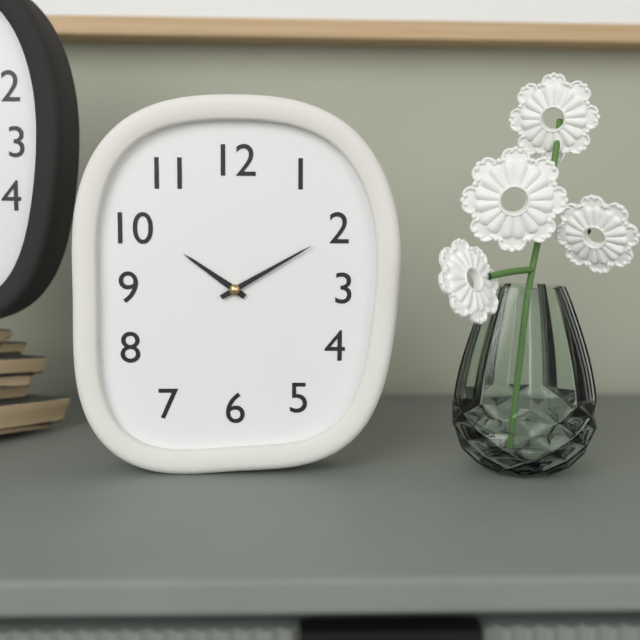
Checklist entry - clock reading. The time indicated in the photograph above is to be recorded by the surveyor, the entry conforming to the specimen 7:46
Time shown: 10:10
